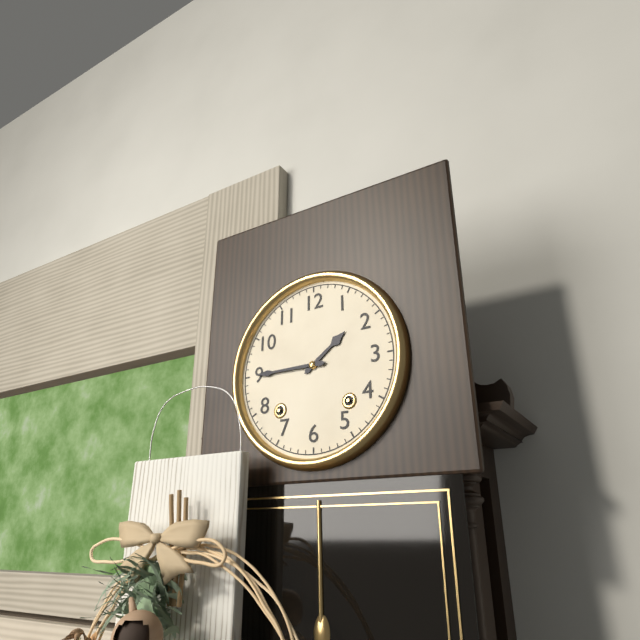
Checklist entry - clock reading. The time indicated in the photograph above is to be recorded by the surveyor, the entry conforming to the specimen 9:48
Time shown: 1:45
